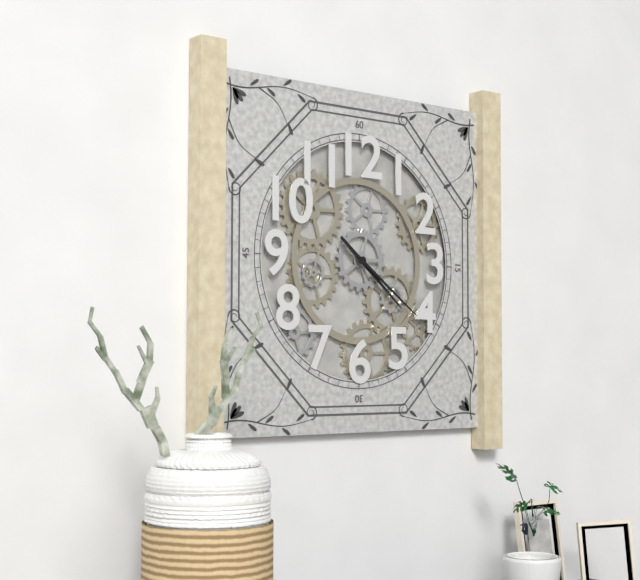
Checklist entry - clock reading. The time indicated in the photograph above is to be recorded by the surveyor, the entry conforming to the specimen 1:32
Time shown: 4:21
